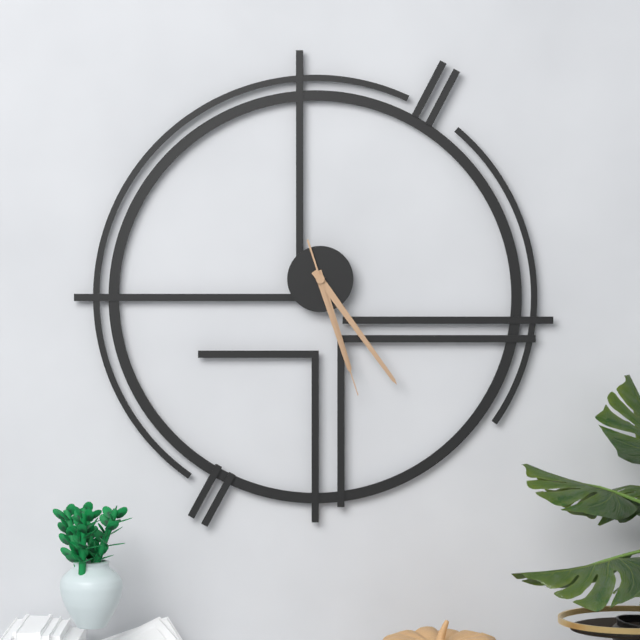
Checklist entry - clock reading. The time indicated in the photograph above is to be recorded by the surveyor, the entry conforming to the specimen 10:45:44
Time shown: 5:24:27
